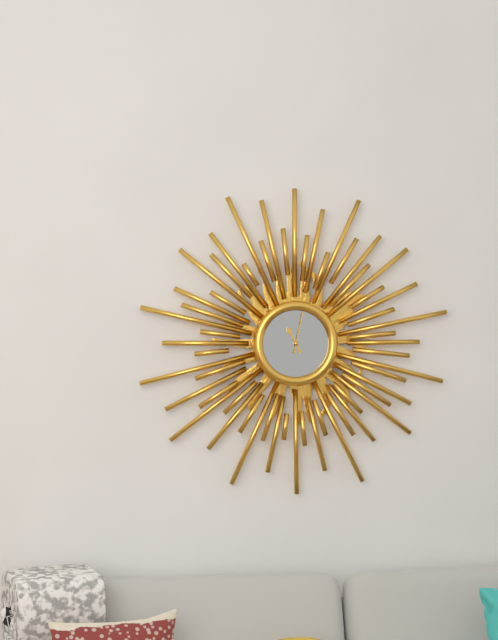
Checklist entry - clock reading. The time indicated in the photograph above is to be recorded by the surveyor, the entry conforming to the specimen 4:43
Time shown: 11:02
